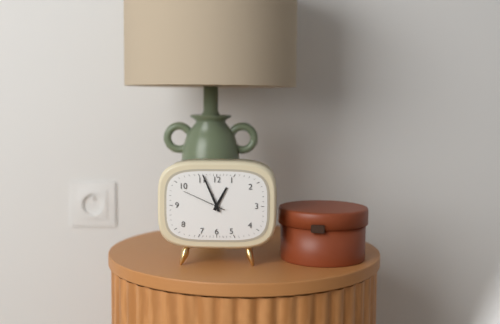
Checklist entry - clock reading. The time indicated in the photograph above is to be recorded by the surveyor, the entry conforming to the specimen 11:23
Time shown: 12:56
